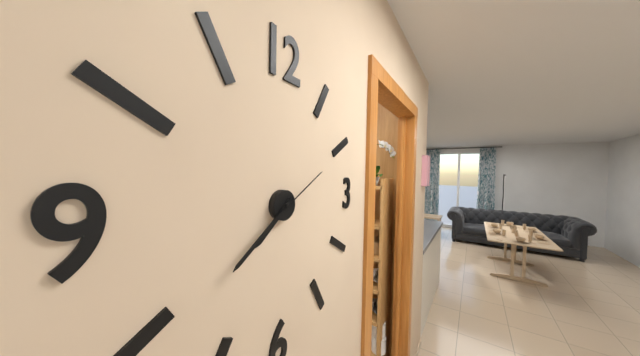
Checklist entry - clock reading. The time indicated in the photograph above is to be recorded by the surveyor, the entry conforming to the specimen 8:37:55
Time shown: 7:39:10
